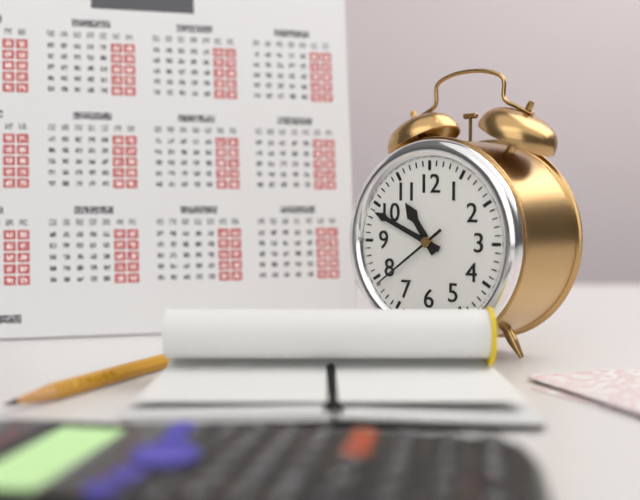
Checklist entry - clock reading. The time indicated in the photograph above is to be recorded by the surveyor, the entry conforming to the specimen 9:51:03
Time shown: 10:49:39
